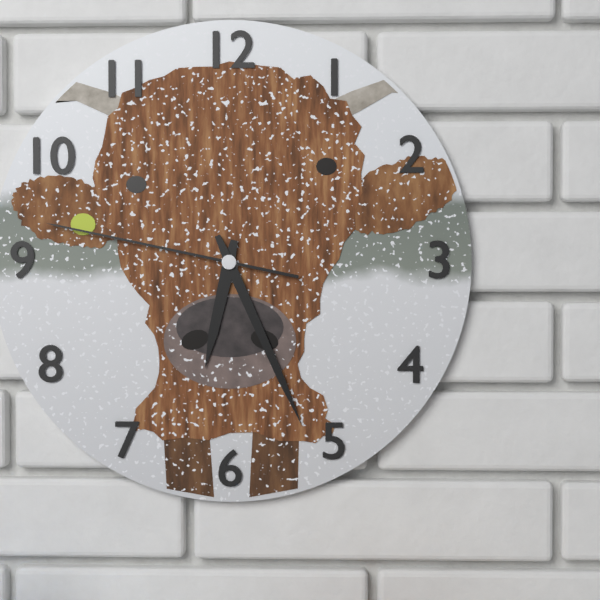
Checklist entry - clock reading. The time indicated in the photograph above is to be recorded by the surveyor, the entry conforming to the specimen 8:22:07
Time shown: 6:26:47
